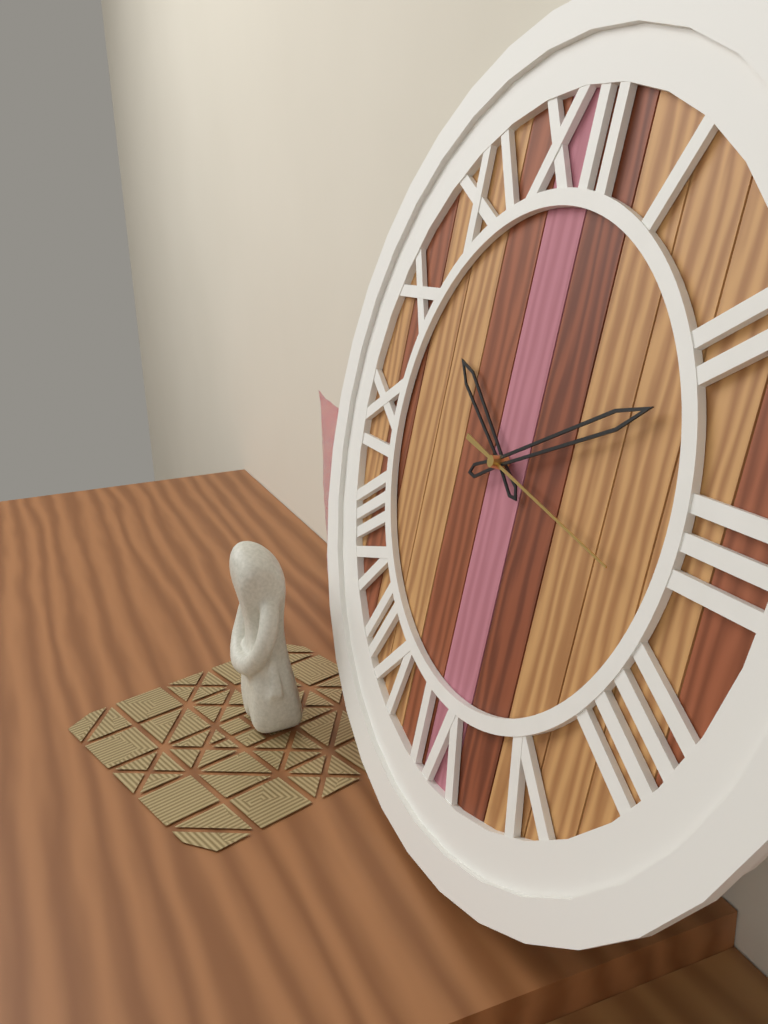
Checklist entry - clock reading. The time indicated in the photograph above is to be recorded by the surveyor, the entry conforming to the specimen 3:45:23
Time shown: 10:11:17
